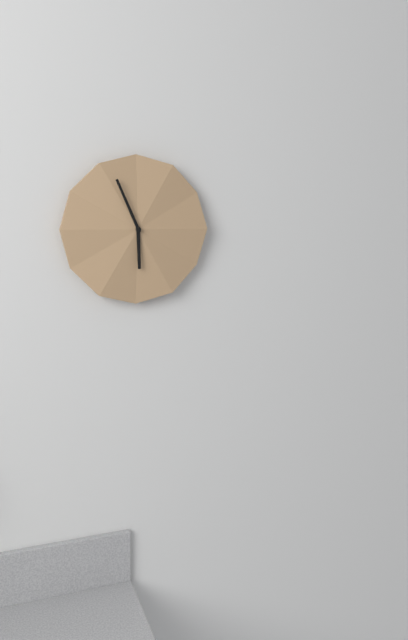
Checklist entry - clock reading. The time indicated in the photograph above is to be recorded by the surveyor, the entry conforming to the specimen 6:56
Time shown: 5:56
